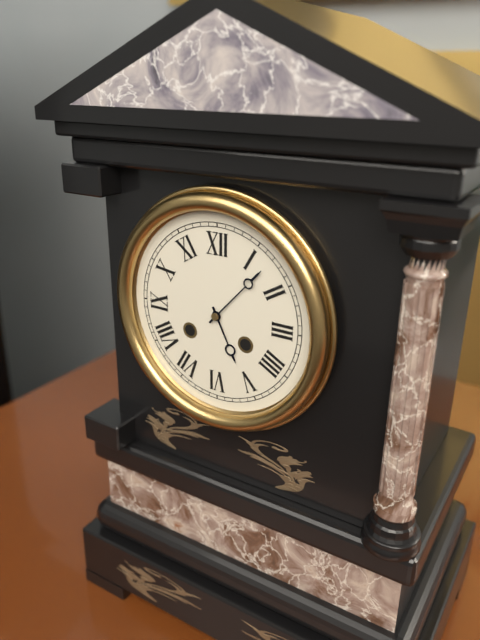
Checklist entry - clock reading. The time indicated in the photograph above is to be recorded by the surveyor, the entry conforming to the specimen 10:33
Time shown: 5:07
